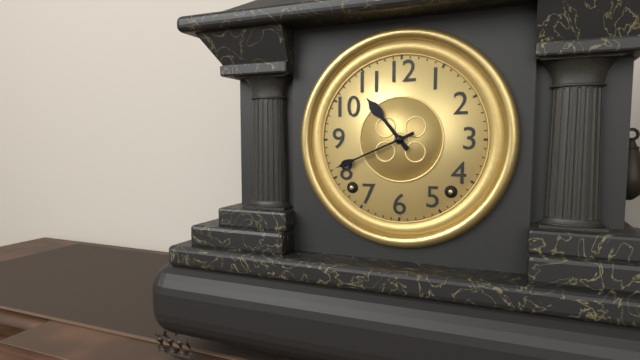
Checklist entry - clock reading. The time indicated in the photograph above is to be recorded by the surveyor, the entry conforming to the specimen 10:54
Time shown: 10:41
